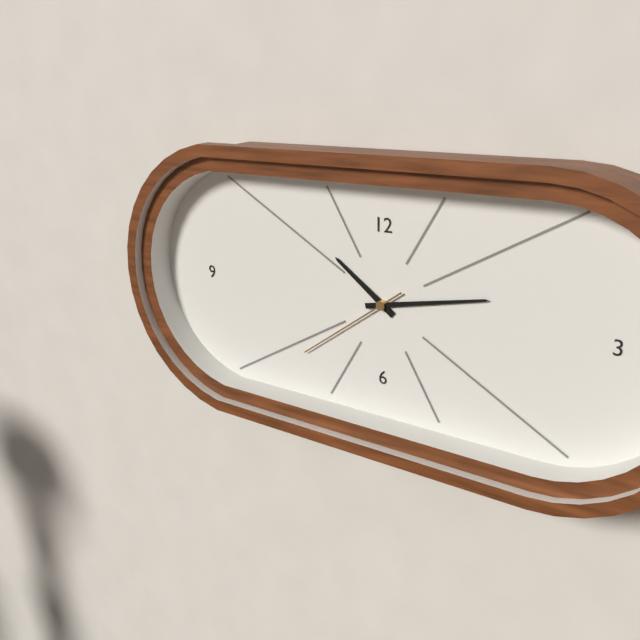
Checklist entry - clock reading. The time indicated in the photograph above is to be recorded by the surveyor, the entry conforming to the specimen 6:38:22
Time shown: 10:13:39
